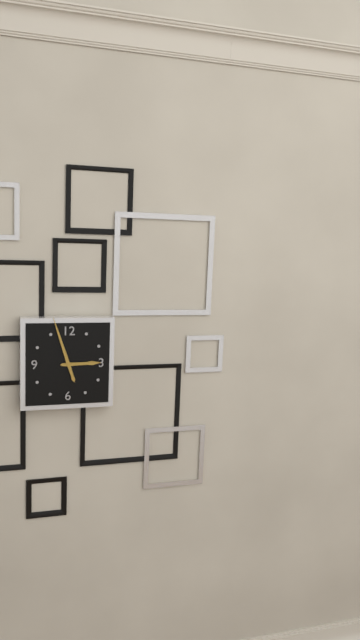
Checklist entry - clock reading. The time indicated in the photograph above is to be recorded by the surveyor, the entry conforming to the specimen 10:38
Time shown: 2:57
